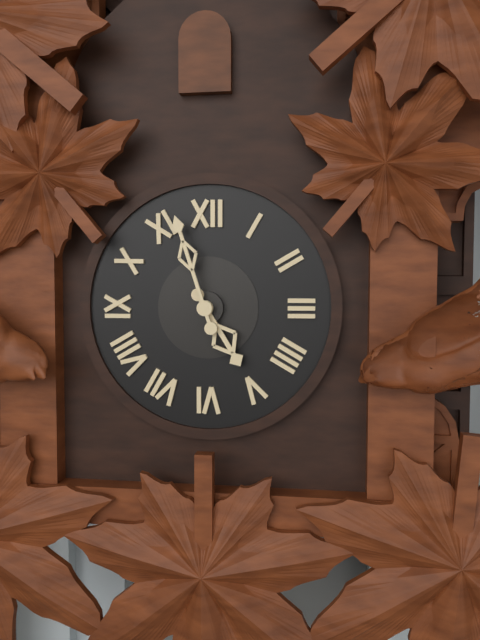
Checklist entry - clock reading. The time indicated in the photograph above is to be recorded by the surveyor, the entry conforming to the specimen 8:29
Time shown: 4:57
